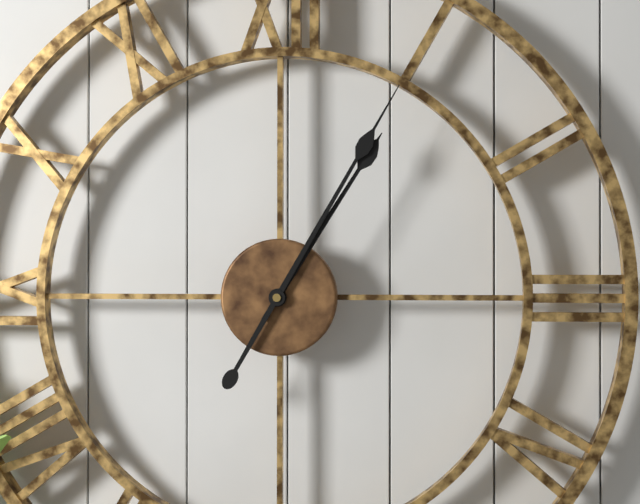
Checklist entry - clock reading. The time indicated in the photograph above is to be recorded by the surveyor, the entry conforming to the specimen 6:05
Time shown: 1:05
